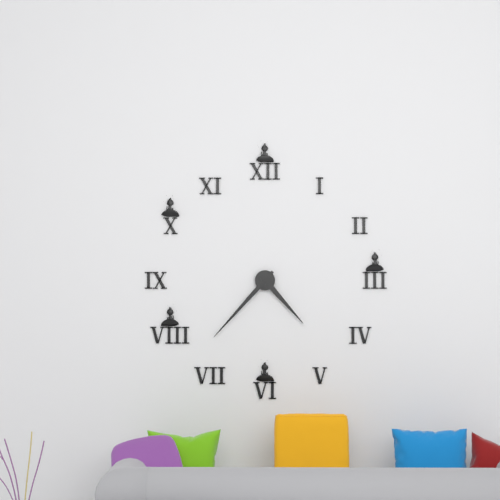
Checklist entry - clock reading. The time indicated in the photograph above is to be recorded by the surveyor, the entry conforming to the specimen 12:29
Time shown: 4:37
